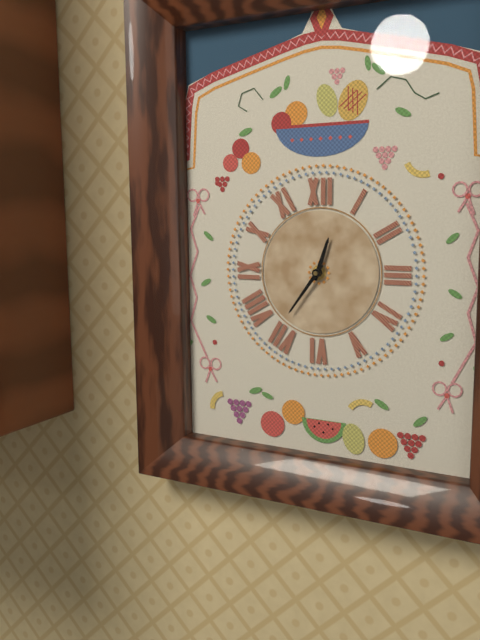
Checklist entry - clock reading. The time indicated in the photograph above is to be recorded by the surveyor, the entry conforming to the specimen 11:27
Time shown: 12:36
